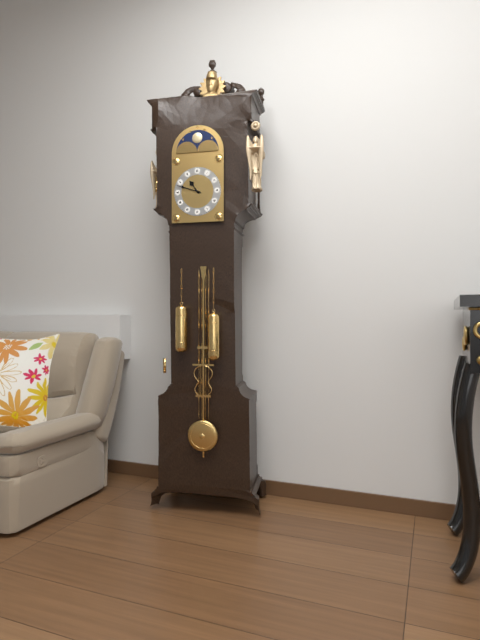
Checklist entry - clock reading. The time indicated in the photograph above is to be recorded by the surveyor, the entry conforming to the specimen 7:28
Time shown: 10:48
